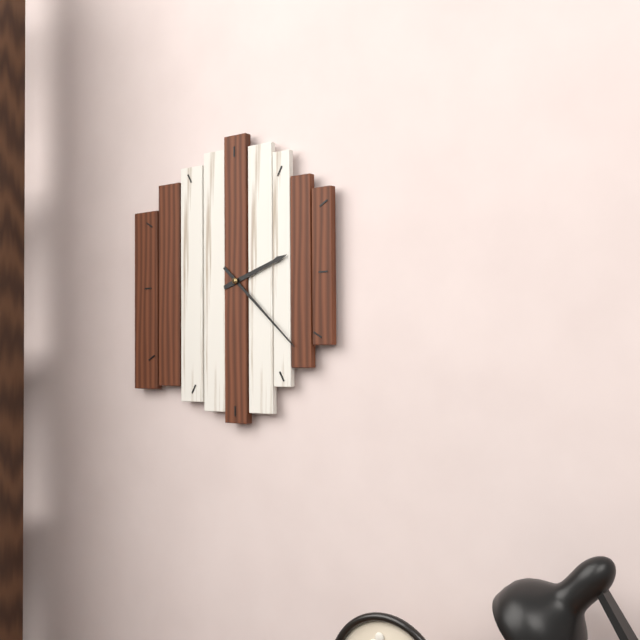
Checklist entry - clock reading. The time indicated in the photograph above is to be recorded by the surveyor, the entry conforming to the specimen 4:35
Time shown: 2:22
